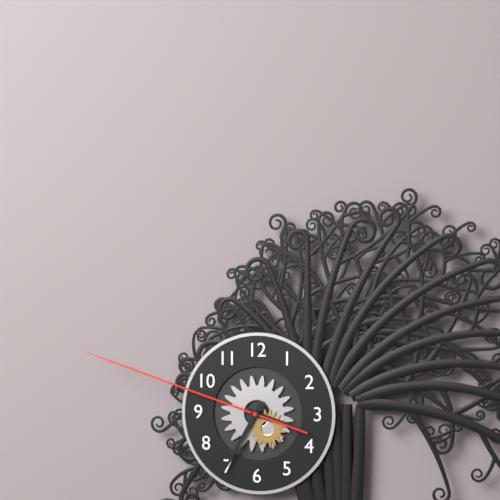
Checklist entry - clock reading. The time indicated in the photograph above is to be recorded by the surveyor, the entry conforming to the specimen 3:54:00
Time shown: 3:35:48
